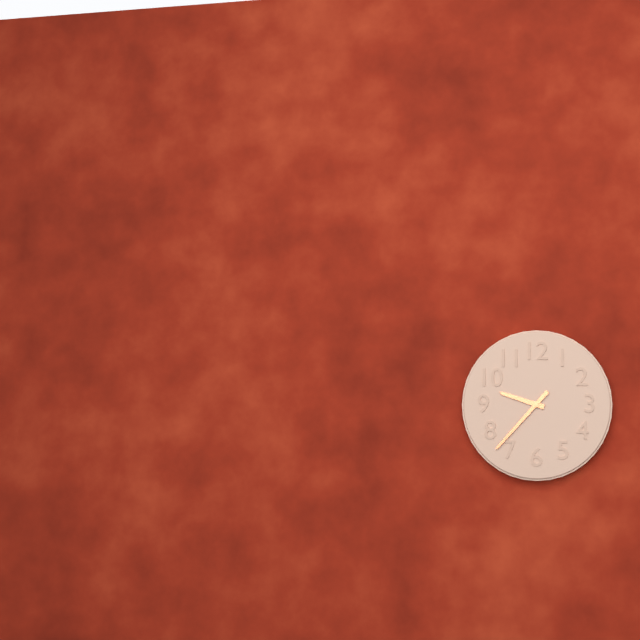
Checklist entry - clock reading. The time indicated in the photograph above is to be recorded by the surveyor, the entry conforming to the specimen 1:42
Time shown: 9:37
